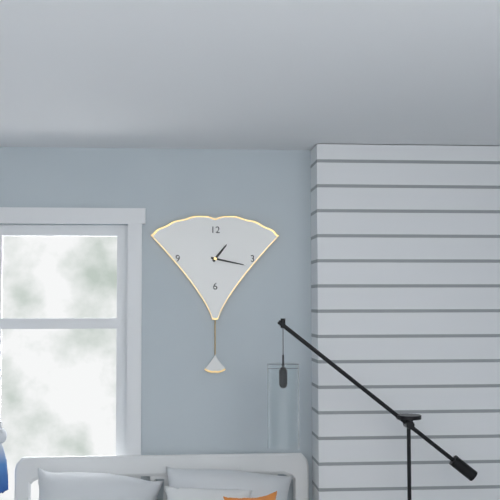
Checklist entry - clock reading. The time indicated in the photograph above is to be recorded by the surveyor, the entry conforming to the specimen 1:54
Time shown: 1:17
